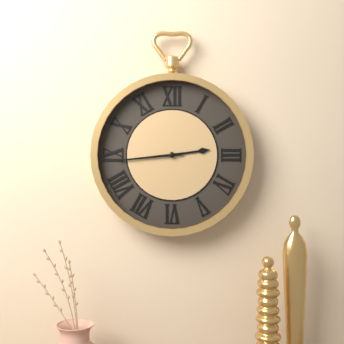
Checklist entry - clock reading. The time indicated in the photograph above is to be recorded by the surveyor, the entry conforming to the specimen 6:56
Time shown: 2:44
